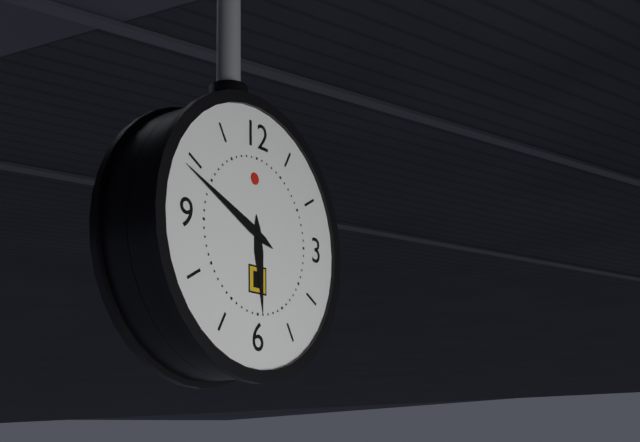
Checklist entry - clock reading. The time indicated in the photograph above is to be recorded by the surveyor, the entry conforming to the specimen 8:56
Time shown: 5:49
